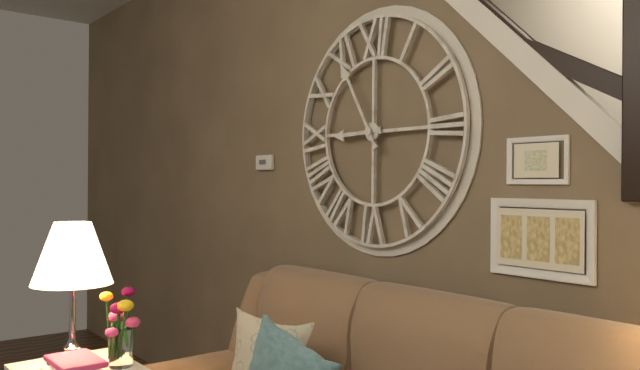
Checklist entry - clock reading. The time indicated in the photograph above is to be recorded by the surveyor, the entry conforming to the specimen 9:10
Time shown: 8:55
